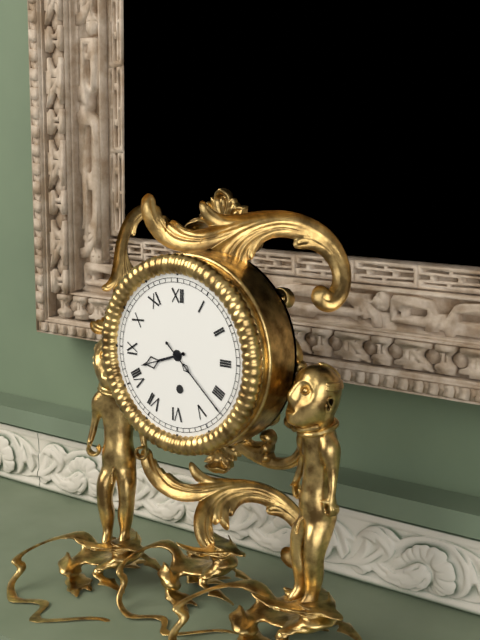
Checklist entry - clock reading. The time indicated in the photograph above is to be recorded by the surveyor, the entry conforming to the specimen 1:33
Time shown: 8:22
